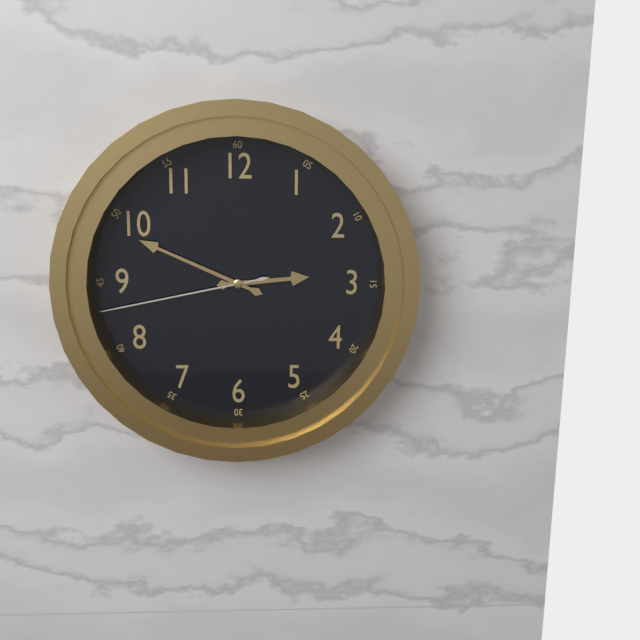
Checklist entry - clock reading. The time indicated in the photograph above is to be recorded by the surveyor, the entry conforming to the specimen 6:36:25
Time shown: 2:49:43
